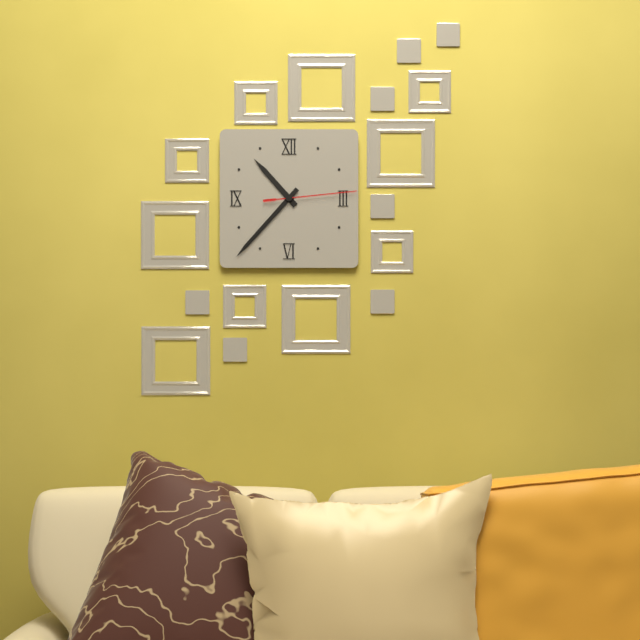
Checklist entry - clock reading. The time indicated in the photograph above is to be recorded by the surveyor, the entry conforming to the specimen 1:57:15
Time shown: 10:37:14
